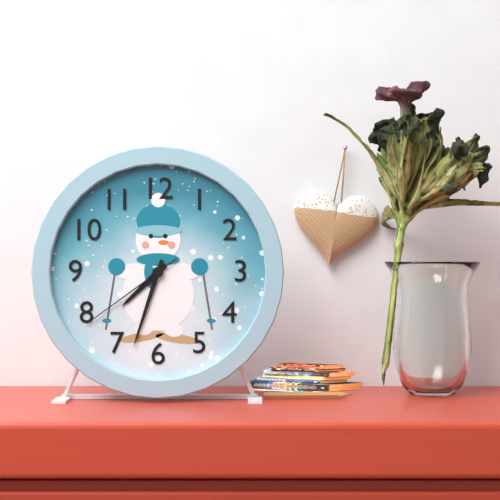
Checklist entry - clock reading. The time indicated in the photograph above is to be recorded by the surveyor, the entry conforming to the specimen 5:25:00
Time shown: 7:33:39
